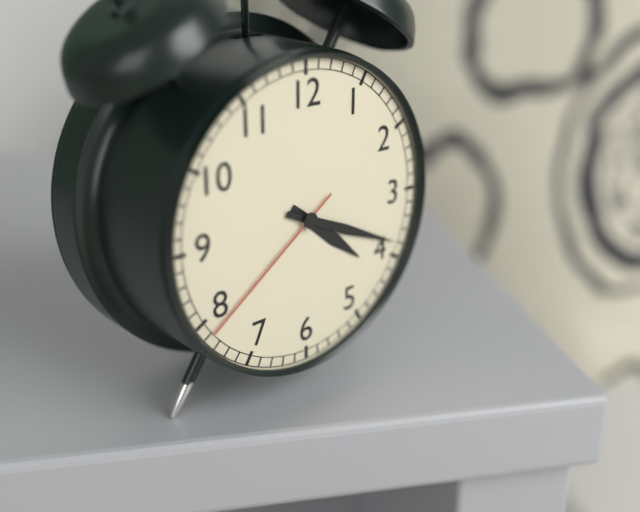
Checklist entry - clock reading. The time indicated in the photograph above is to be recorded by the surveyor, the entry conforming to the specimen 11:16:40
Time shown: 4:19:39
